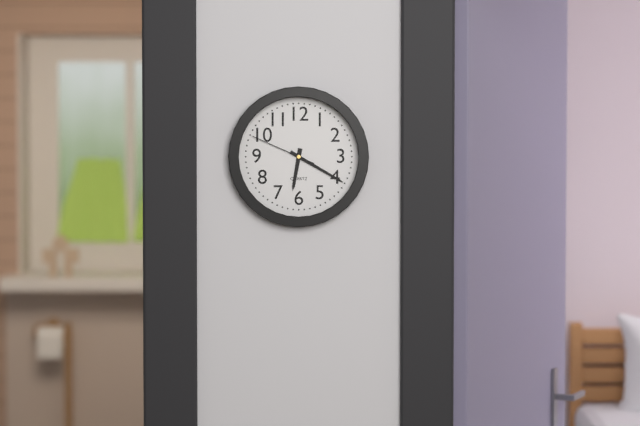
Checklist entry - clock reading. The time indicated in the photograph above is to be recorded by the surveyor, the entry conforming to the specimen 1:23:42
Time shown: 6:20:49
